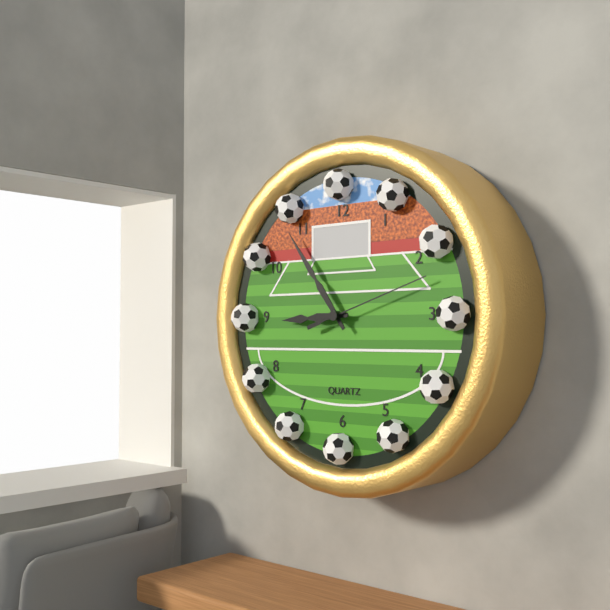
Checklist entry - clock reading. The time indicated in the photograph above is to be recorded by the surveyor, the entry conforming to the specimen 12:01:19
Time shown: 8:54:12
